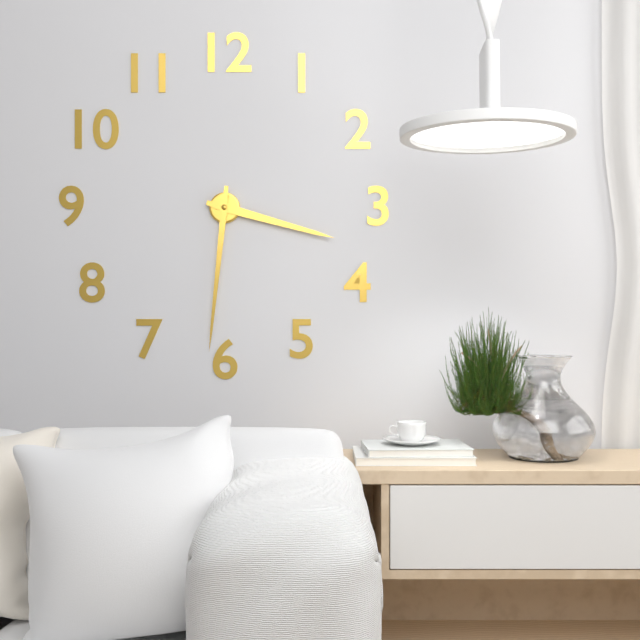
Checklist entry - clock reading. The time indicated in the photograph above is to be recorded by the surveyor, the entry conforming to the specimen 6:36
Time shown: 3:31
